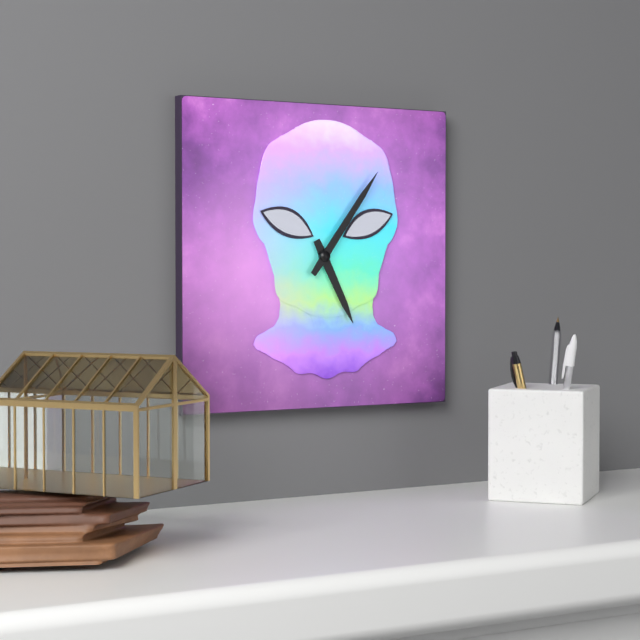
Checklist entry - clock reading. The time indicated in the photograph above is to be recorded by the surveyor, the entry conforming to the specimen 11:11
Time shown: 5:06
